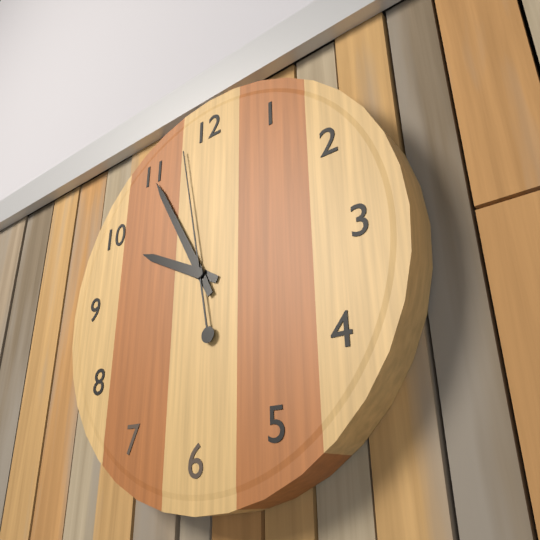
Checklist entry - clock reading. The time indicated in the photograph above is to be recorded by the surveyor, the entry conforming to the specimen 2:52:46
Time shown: 9:55:58
